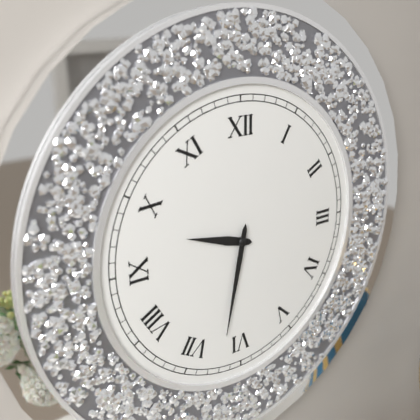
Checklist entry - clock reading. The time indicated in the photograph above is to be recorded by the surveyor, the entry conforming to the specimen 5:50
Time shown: 9:32
